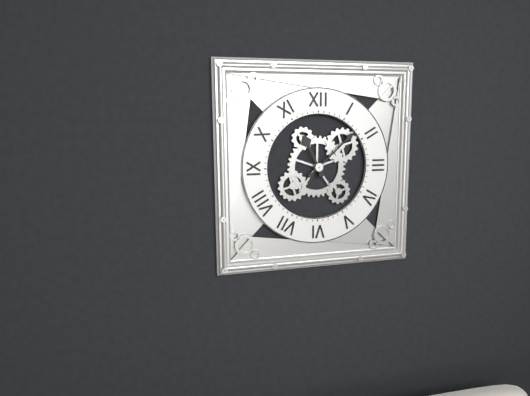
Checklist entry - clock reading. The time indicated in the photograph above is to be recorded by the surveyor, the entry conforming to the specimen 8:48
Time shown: 11:08
